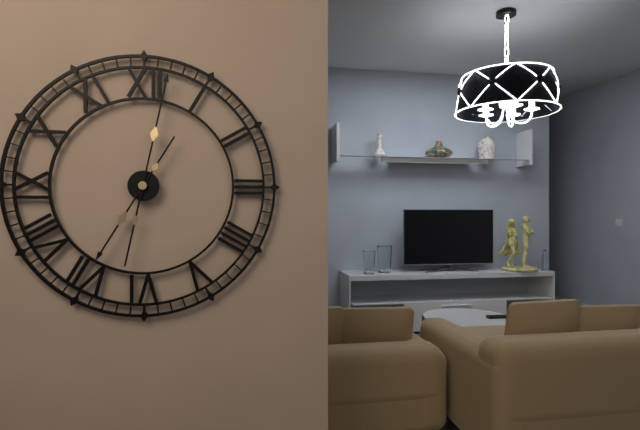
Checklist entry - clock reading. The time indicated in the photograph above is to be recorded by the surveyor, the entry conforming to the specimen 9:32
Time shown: 7:02
